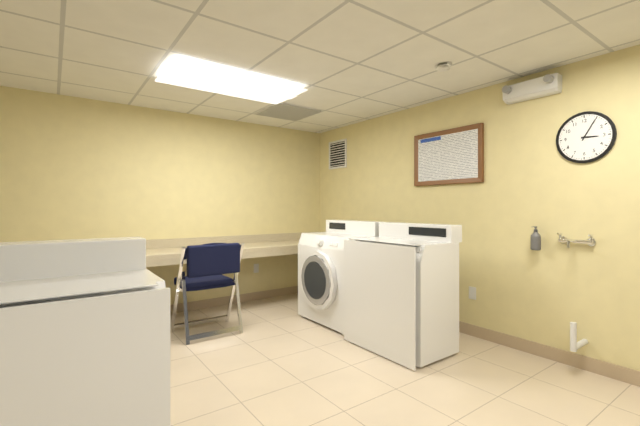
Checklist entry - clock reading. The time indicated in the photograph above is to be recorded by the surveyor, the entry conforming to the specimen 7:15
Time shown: 3:05
